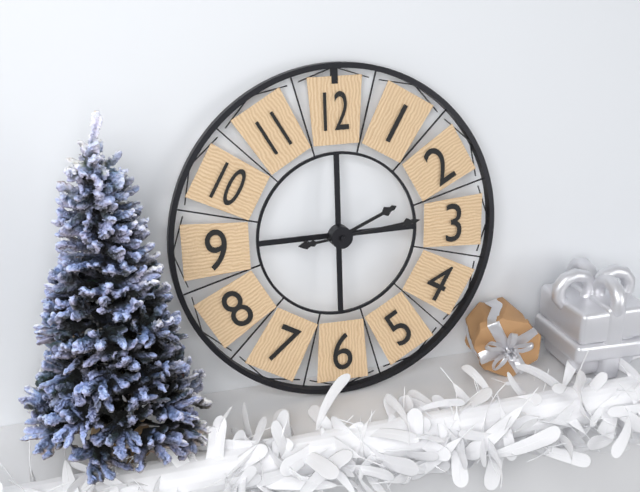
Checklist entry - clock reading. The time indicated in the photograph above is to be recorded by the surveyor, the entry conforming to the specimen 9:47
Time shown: 2:14
